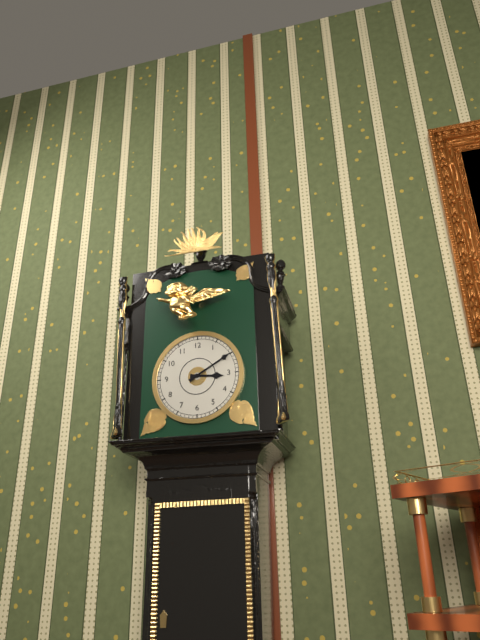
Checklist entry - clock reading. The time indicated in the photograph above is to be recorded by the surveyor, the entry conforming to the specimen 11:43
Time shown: 3:10
